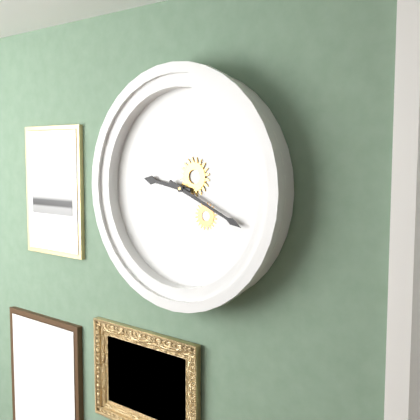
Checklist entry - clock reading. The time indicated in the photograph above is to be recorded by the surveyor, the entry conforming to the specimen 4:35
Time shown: 9:19
